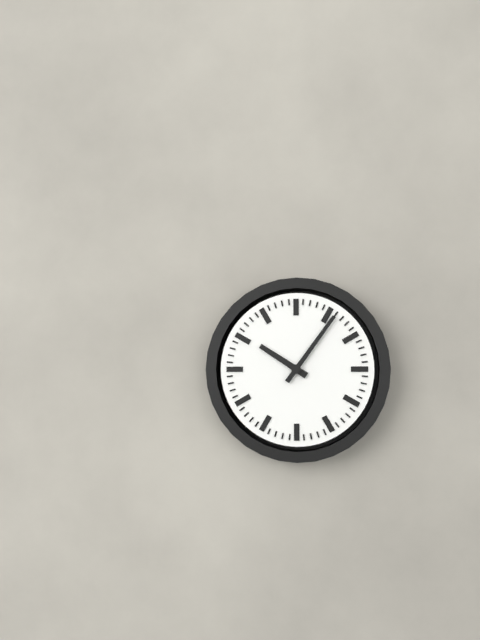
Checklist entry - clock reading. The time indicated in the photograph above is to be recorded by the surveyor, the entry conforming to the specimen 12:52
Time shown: 10:06
